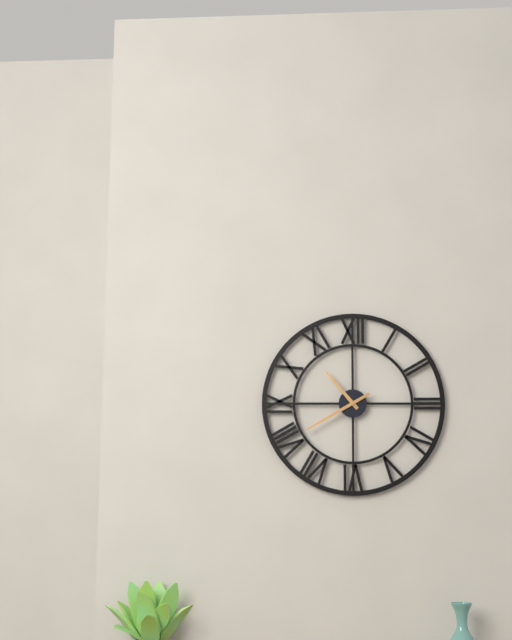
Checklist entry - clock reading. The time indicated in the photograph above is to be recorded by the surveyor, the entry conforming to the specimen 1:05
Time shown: 10:40
